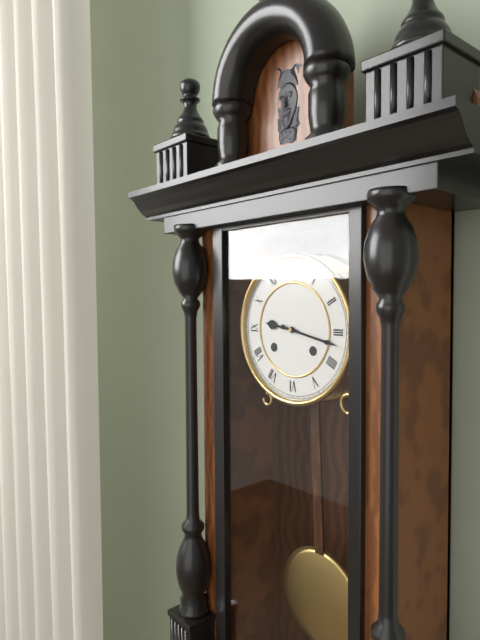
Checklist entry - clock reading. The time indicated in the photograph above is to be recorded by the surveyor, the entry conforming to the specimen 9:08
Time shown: 9:17
